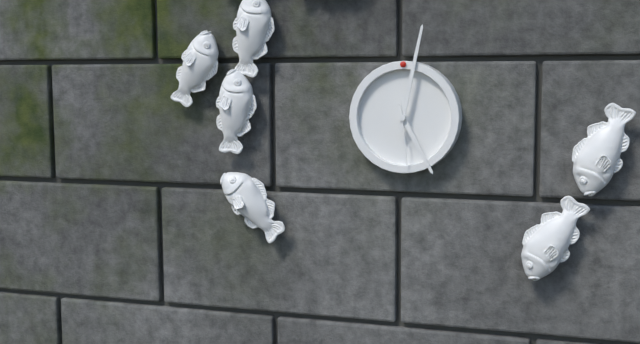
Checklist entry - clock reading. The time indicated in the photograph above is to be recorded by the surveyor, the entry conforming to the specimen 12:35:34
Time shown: 5:02:29
